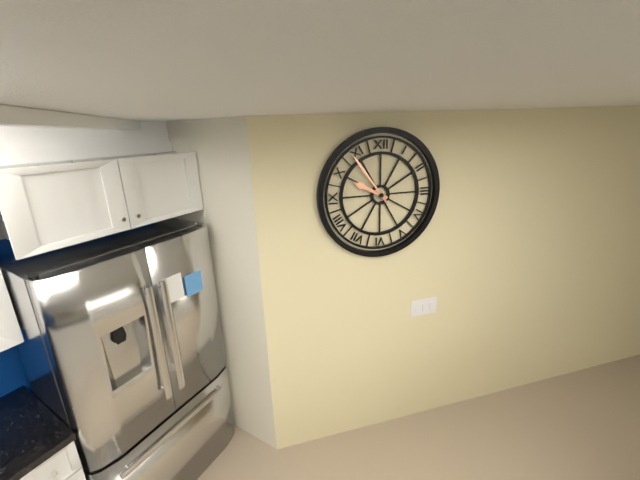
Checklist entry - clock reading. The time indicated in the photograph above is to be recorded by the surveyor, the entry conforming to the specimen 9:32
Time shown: 9:54
